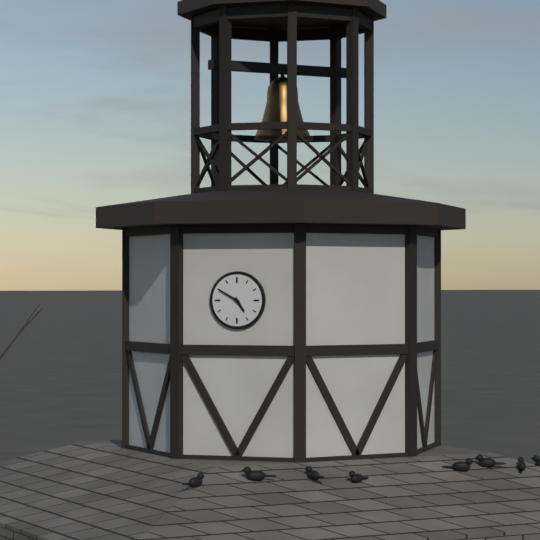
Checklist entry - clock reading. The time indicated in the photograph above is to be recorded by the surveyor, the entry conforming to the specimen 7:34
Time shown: 4:50
